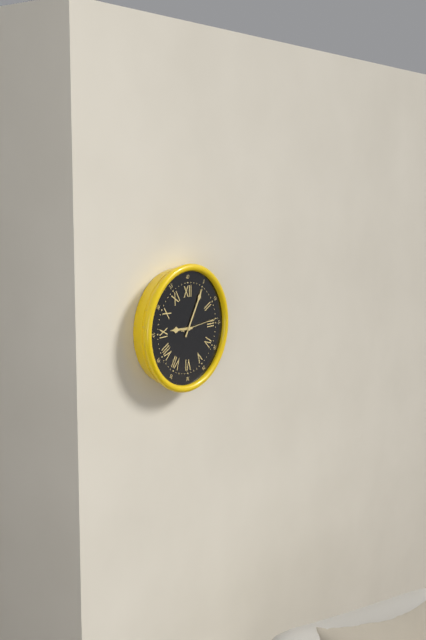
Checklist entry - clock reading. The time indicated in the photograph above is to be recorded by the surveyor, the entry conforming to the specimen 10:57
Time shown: 9:05
